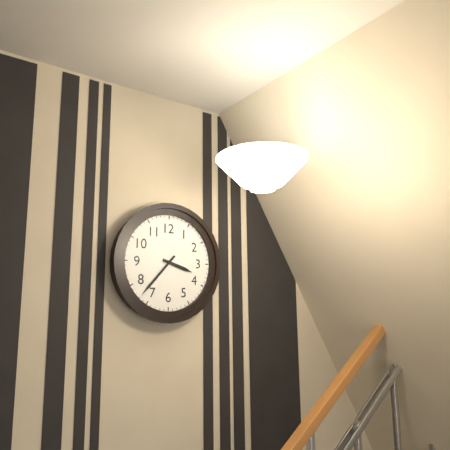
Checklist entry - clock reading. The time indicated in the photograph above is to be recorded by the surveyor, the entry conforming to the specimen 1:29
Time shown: 3:37
